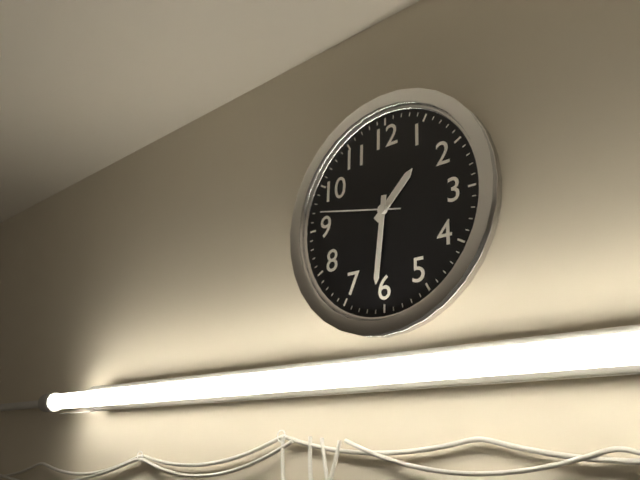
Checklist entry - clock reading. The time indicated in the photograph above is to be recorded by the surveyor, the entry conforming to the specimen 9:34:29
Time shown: 1:31:47
